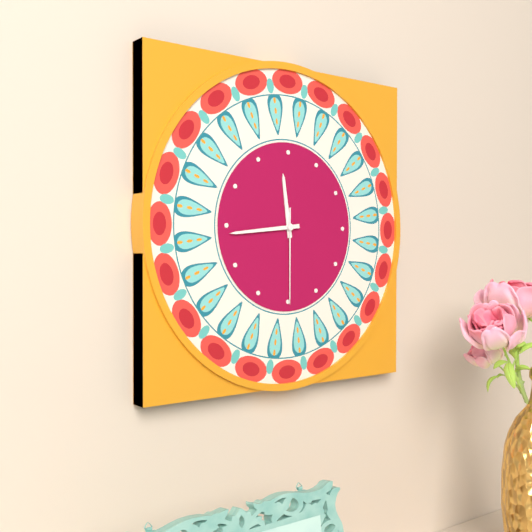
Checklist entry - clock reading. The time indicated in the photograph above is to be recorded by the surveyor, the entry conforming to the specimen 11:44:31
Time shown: 11:44:30
